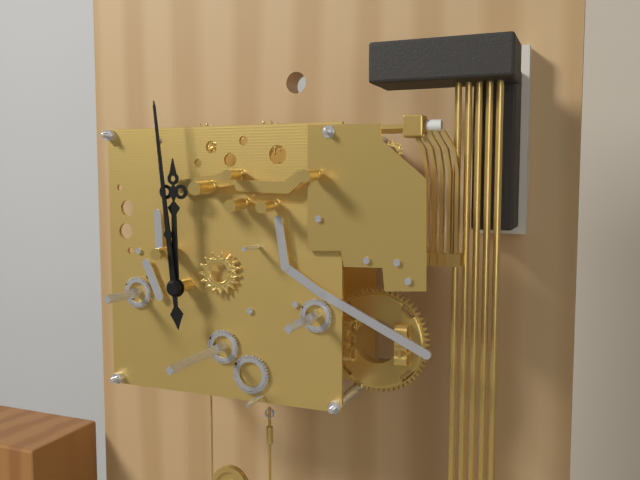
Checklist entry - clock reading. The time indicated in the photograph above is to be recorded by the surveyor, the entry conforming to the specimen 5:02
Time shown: 11:59
